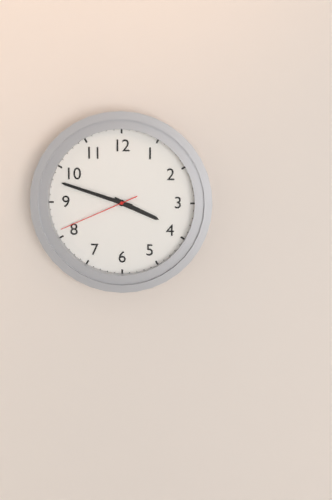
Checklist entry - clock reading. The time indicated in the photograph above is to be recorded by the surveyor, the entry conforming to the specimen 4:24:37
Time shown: 3:48:41
